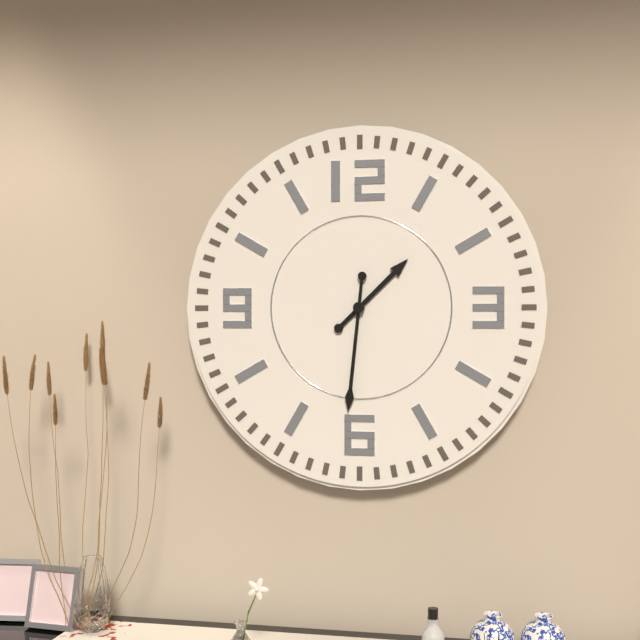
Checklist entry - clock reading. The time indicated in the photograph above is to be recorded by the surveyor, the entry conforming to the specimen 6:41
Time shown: 1:31
